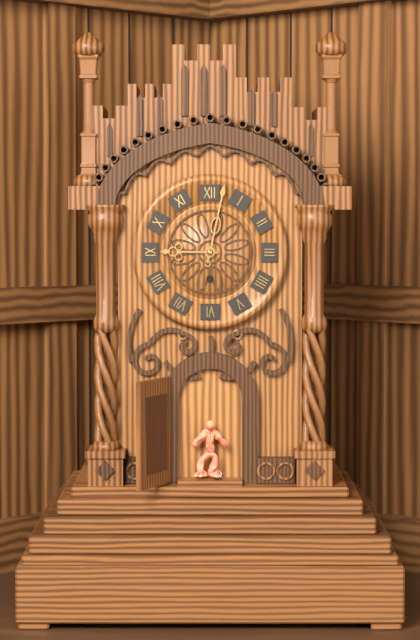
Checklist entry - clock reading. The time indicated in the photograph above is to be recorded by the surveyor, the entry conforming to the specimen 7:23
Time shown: 9:02
